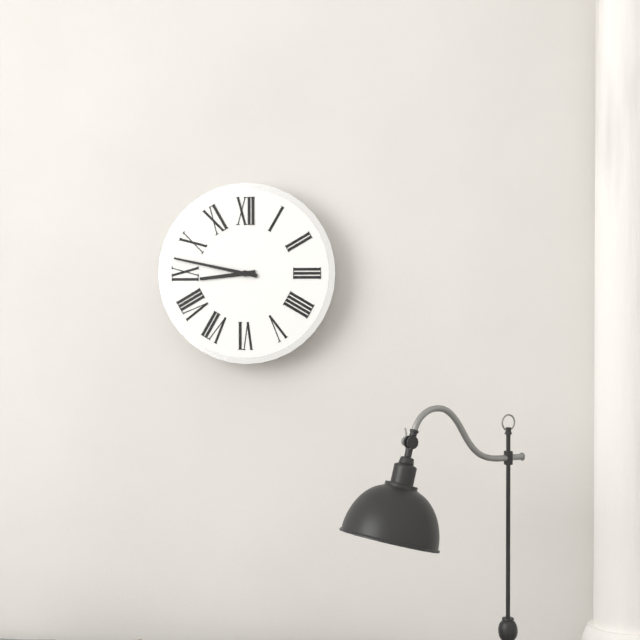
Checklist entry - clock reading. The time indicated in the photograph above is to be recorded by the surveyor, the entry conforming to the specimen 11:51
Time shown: 8:47
